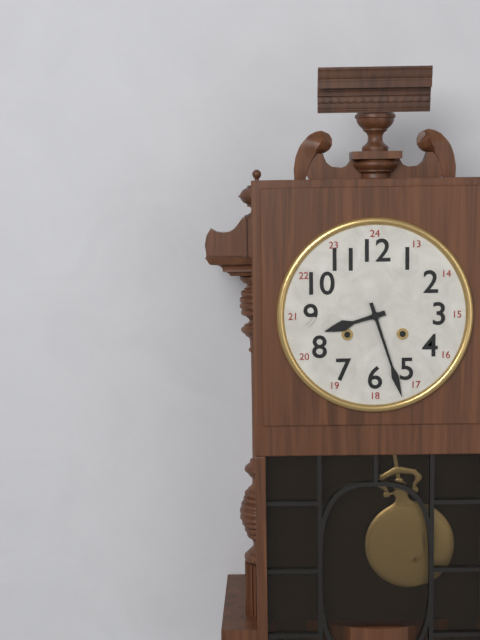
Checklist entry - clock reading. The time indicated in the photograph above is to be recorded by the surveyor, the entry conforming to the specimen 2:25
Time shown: 8:27
